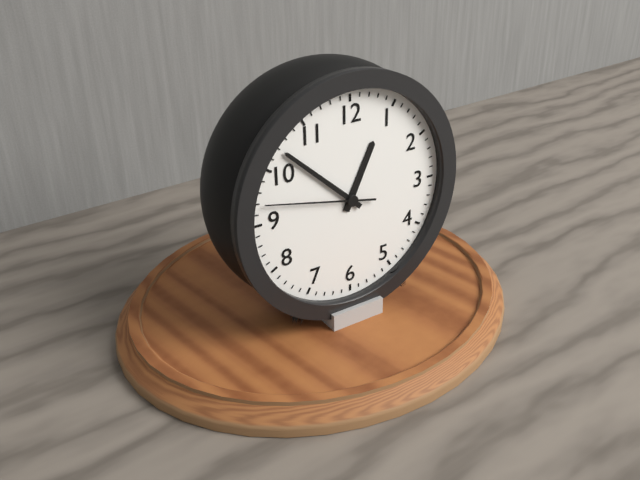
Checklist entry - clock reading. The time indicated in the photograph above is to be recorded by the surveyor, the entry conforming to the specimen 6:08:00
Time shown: 12:52:47
